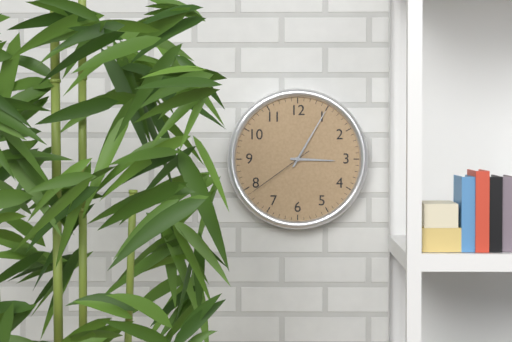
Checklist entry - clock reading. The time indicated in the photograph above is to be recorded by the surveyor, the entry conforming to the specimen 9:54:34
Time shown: 3:05:39
